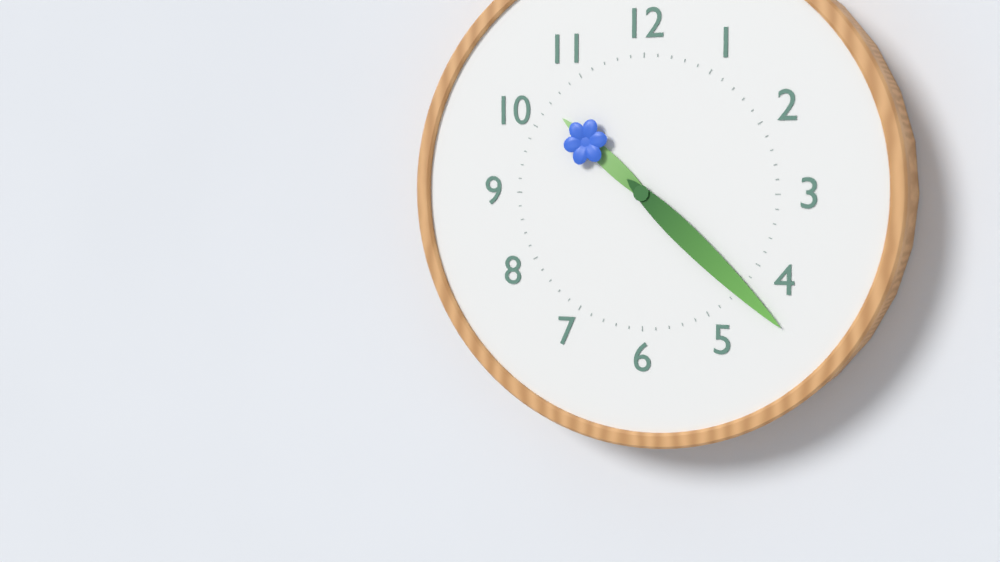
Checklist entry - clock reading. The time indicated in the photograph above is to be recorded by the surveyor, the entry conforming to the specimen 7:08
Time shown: 10:22
